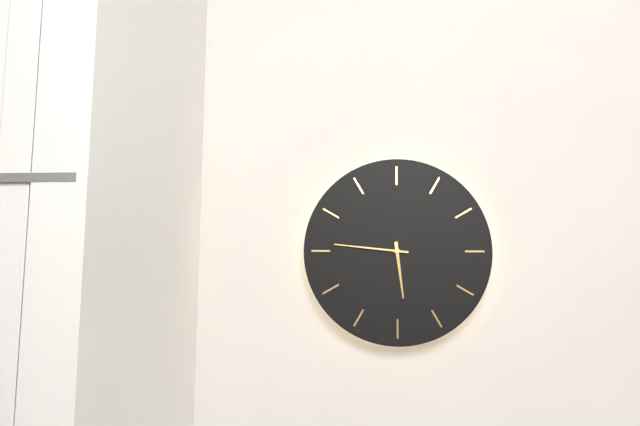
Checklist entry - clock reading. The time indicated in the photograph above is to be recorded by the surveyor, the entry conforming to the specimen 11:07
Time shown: 5:46
